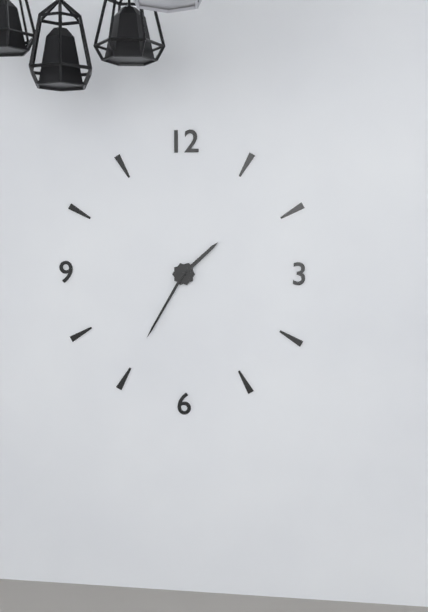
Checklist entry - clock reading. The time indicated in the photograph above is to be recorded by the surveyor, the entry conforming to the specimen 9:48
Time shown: 1:35
